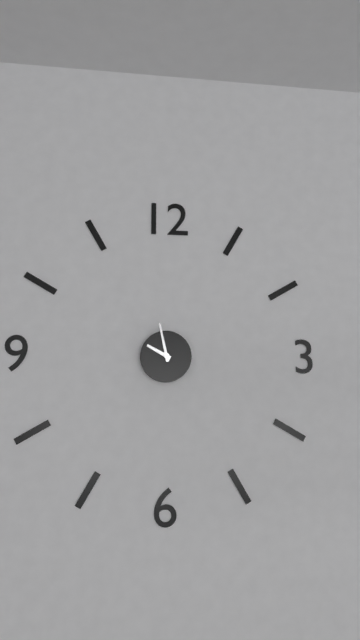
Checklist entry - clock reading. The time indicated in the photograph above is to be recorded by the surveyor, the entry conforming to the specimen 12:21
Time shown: 9:58
